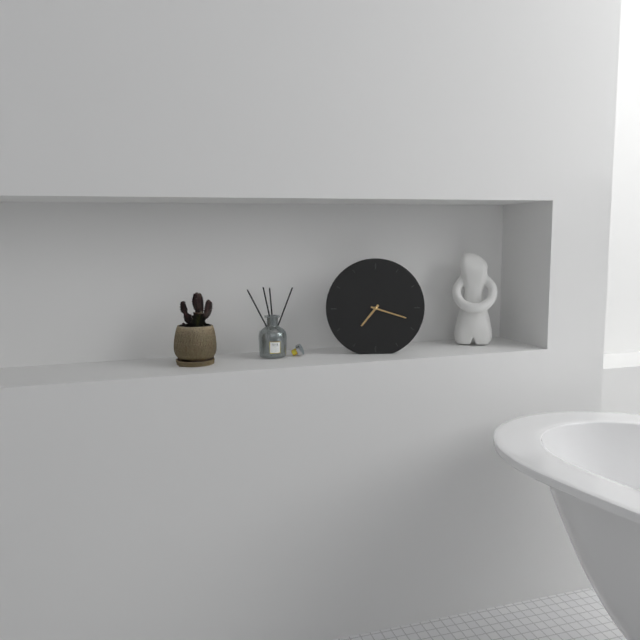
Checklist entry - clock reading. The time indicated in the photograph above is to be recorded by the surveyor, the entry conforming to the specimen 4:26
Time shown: 7:18
